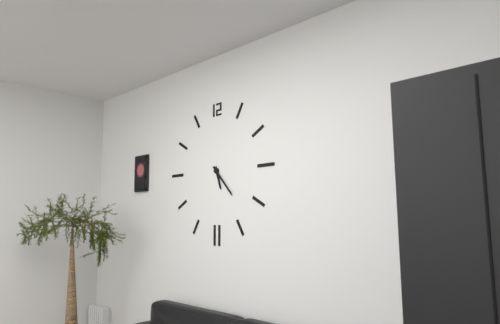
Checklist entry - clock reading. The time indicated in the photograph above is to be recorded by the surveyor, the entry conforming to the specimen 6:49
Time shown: 5:23
